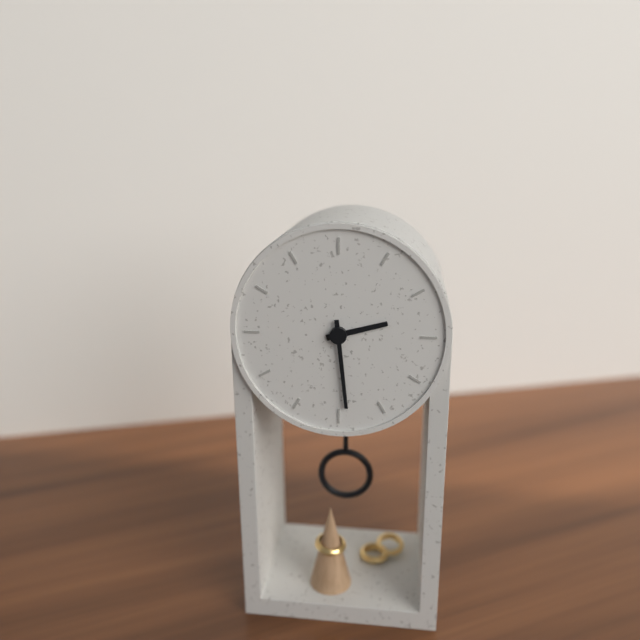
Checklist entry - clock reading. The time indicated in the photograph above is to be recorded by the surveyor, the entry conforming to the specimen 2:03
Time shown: 2:29
